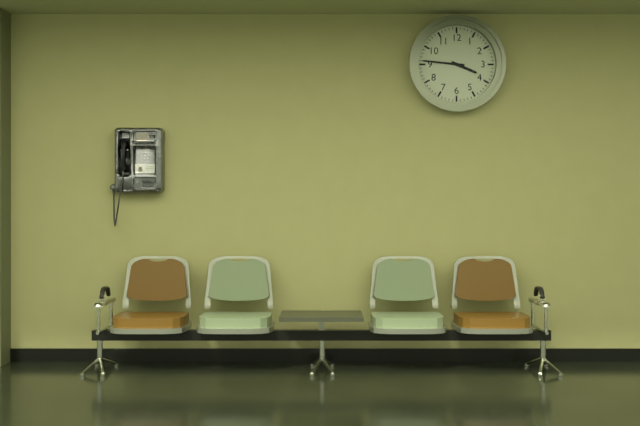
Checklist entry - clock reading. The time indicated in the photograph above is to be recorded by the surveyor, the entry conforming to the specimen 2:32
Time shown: 3:46
